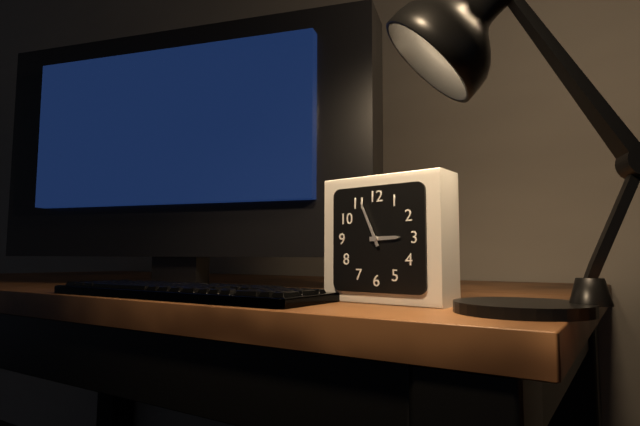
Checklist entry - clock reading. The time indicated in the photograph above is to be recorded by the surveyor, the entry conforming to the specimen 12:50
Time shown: 2:56
